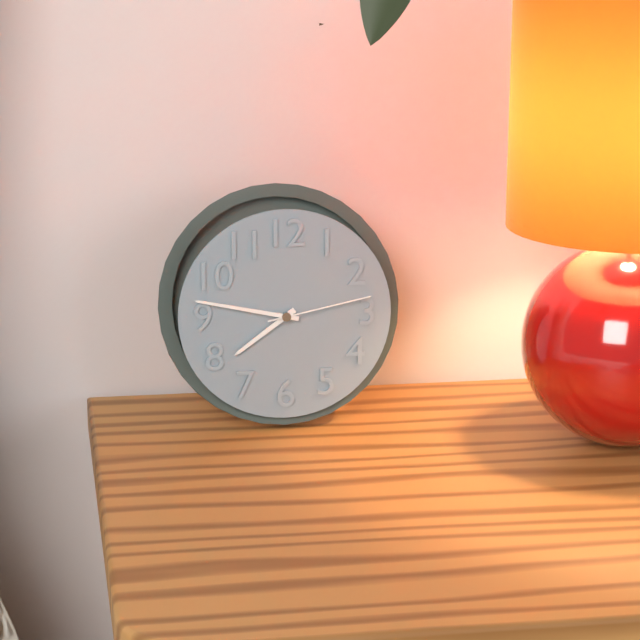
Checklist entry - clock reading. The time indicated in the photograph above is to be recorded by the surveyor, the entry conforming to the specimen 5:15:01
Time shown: 7:47:13
